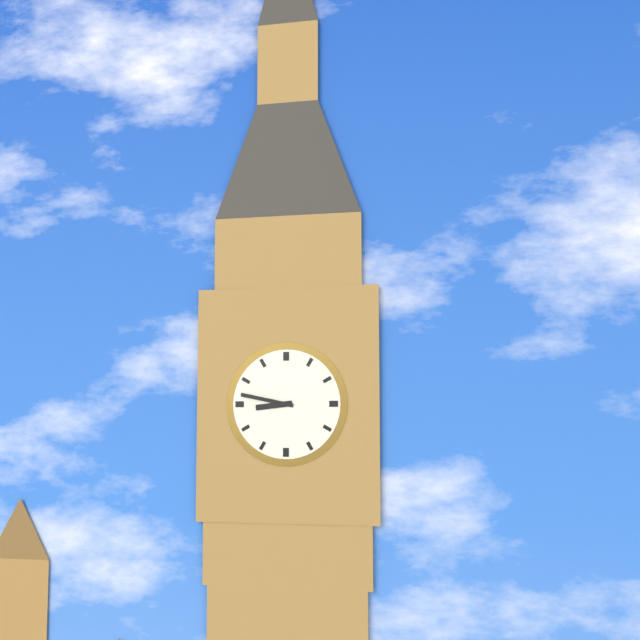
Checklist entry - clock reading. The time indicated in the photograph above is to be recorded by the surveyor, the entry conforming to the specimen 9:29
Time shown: 8:47
